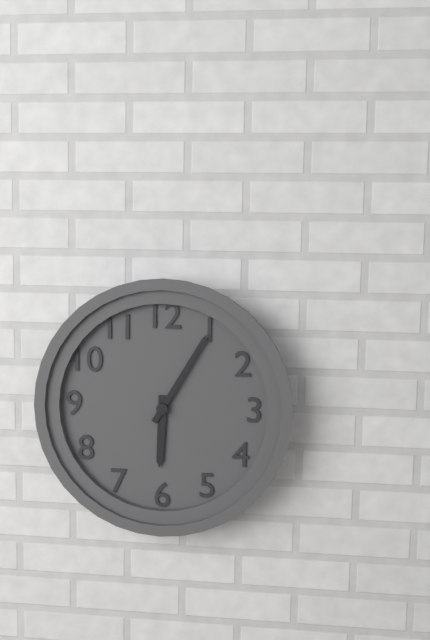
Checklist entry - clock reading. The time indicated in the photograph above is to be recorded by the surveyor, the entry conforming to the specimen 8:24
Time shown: 6:05
